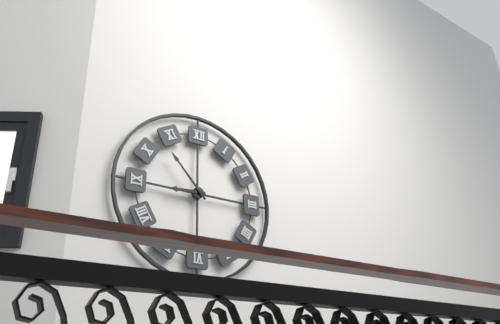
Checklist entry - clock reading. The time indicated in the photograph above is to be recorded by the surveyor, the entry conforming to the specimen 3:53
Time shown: 8:53
